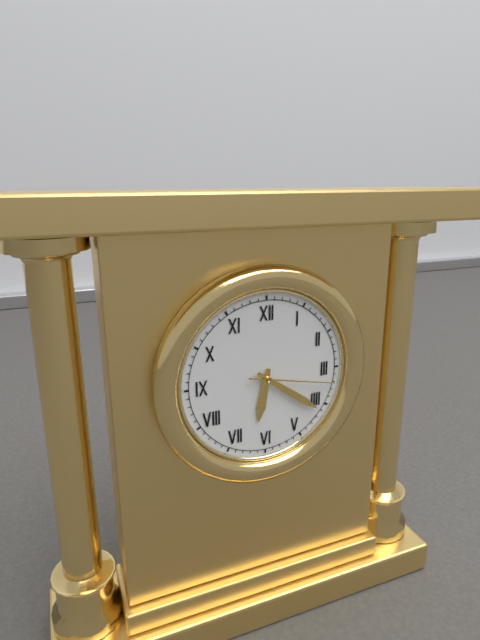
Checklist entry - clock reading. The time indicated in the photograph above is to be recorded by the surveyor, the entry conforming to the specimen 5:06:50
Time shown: 6:21:17
